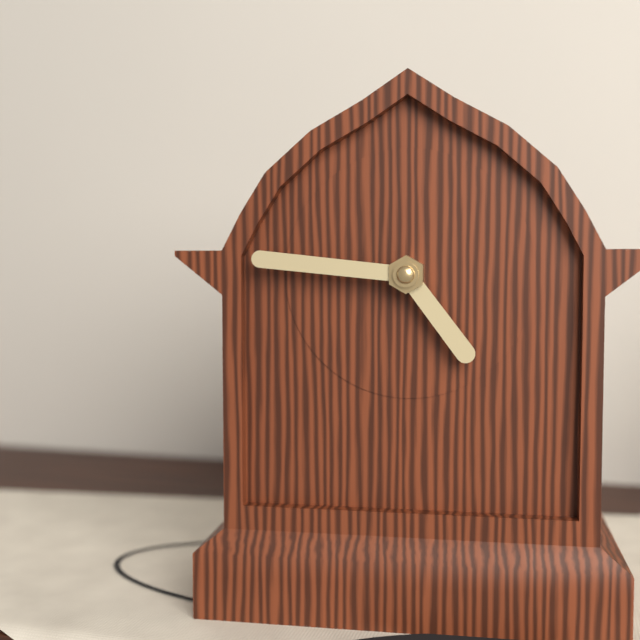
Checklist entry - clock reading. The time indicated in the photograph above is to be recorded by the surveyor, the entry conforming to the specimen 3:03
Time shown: 4:46
